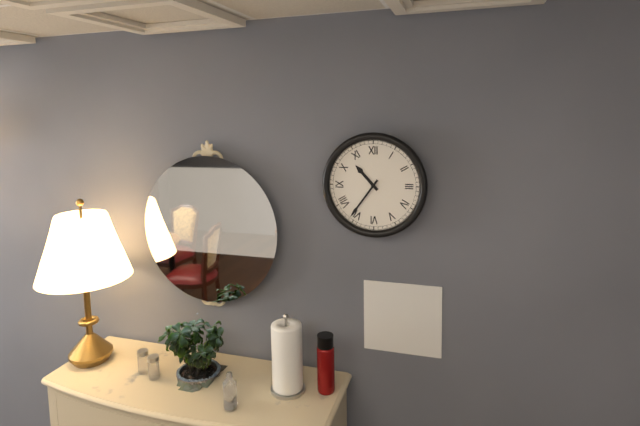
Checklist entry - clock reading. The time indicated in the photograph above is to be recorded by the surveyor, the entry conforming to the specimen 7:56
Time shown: 10:36
